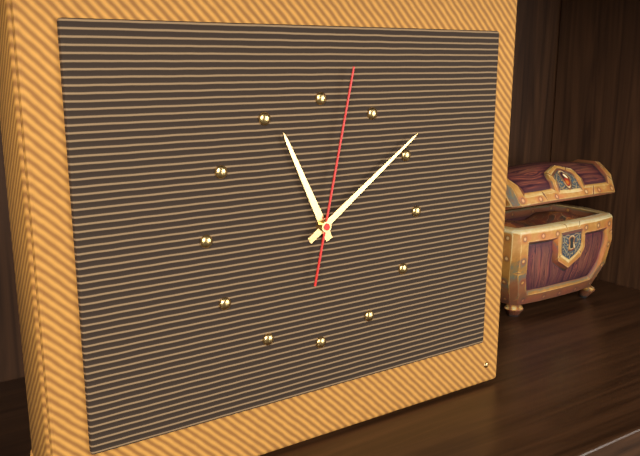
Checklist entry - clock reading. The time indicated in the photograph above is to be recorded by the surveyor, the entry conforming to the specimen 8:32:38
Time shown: 11:09:02
